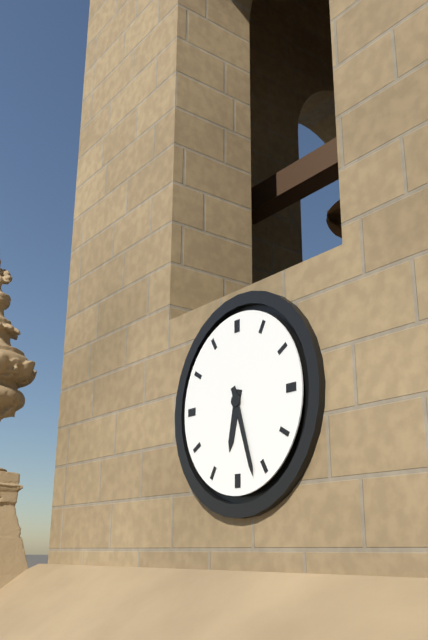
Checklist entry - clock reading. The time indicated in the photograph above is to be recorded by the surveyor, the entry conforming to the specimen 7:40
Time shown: 6:27
